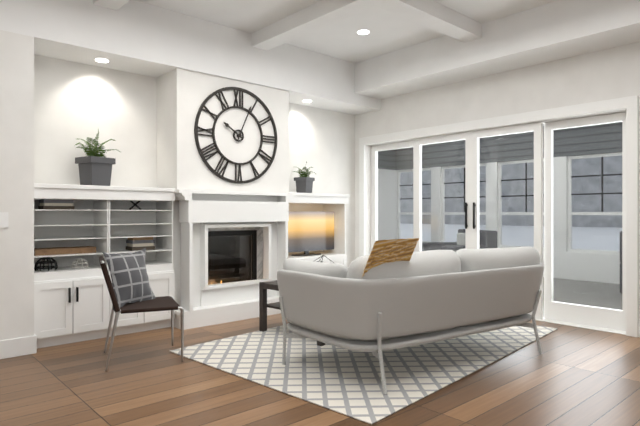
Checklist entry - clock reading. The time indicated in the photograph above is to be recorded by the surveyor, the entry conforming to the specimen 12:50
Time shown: 10:04
